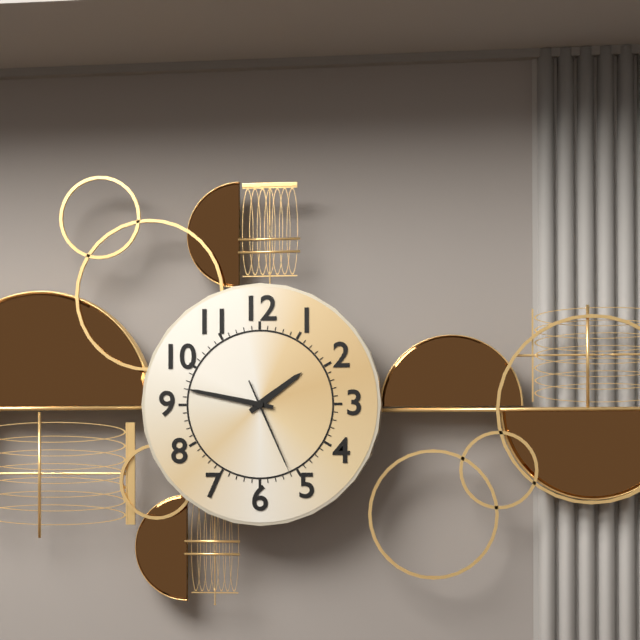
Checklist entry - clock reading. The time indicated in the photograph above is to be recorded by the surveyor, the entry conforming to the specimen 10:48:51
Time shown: 1:47:26
